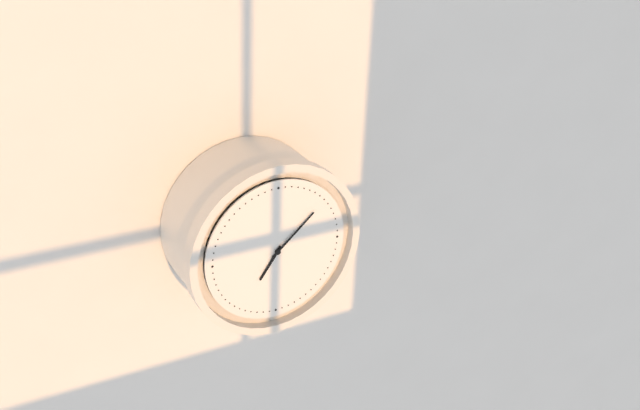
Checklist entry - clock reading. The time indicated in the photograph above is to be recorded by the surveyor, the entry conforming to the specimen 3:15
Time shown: 7:08
